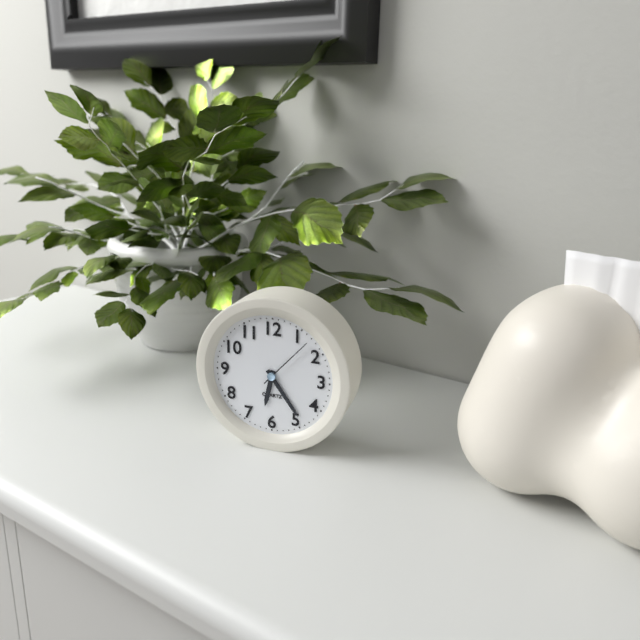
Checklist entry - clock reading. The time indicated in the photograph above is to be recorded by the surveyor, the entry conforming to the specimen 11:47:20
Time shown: 6:24:07
